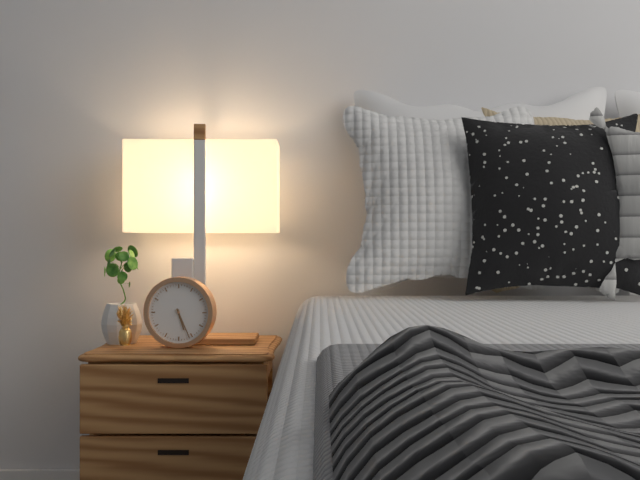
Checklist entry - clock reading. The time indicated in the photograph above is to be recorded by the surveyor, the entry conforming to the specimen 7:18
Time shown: 5:26
